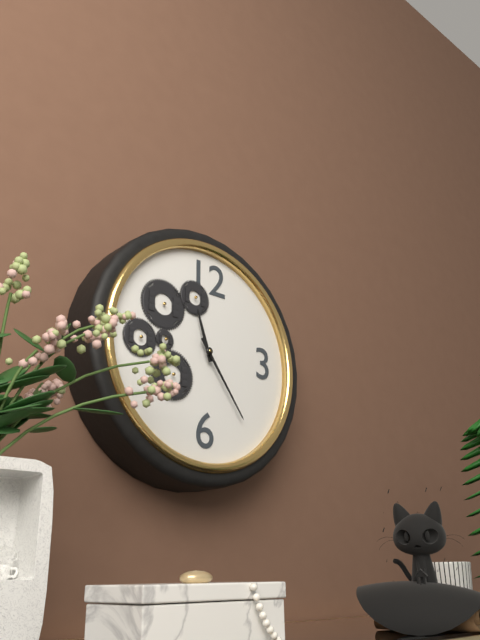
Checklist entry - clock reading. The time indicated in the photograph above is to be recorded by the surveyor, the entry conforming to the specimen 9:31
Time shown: 11:24
